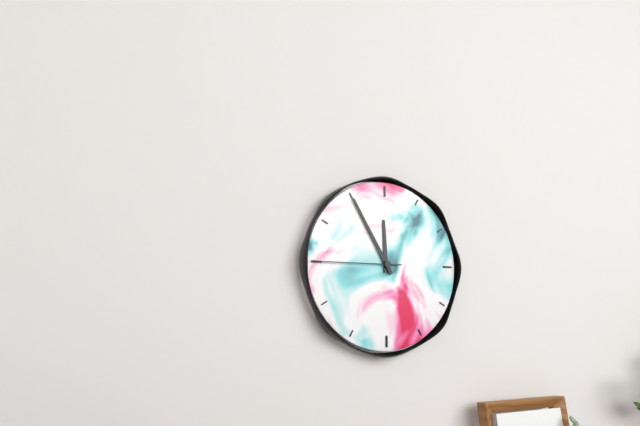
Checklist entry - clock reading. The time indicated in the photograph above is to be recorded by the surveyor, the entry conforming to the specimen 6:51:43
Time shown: 11:55:45
